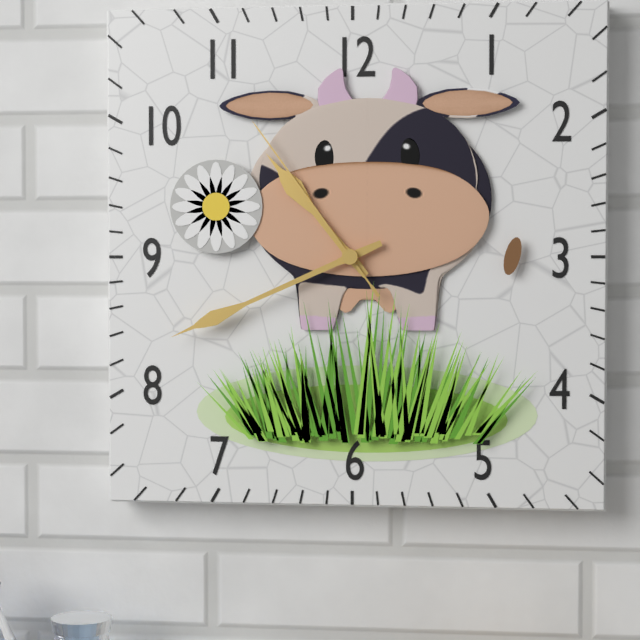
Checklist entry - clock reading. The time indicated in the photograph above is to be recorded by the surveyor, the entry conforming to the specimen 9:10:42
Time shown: 10:41:54
